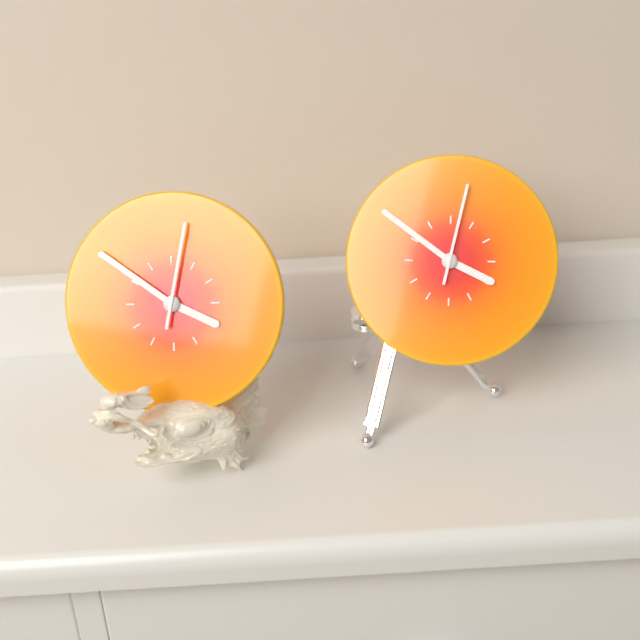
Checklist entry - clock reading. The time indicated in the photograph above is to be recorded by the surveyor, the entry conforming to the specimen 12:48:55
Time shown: 3:51:02
